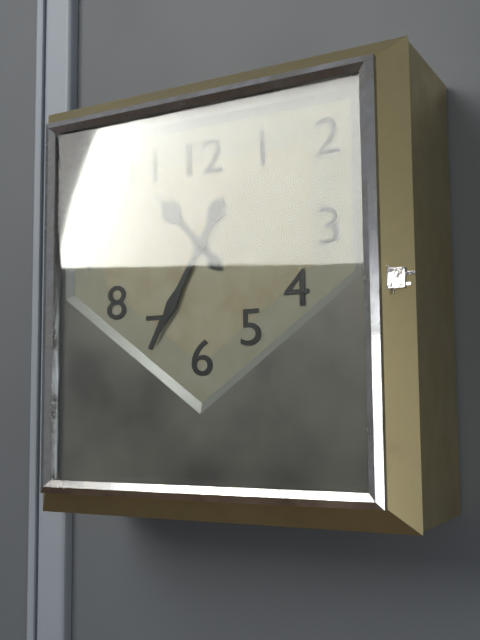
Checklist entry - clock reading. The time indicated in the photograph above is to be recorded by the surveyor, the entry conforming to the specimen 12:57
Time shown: 10:35
